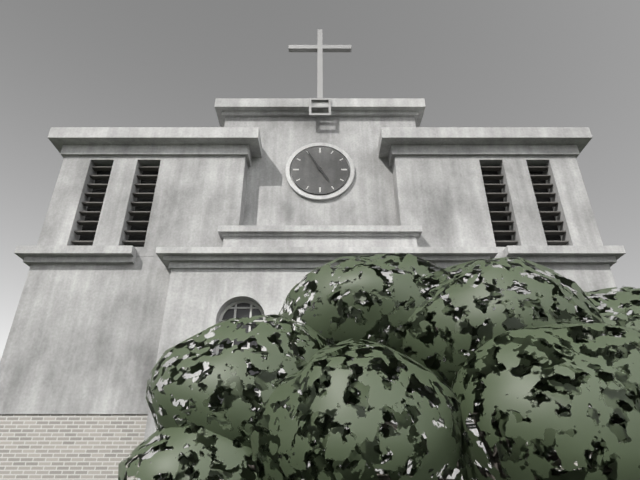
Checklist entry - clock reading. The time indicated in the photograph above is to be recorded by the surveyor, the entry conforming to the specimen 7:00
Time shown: 4:55
